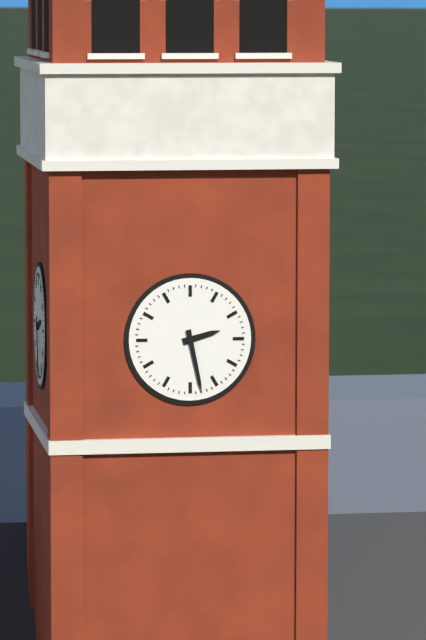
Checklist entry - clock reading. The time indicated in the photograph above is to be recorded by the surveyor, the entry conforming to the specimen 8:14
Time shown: 2:28
